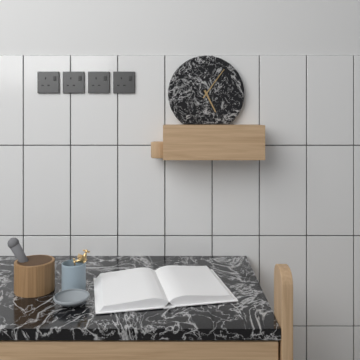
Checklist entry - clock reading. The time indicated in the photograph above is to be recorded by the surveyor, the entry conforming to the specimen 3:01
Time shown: 5:06
